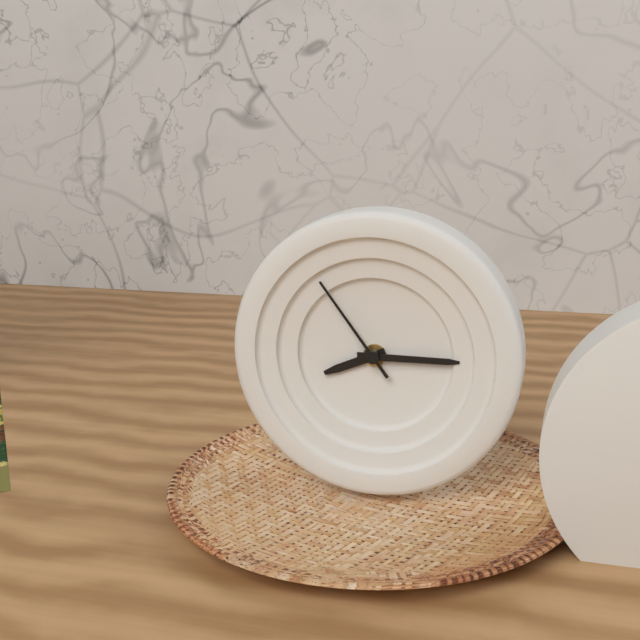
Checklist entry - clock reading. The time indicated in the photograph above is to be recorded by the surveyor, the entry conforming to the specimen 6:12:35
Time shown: 8:15:54
